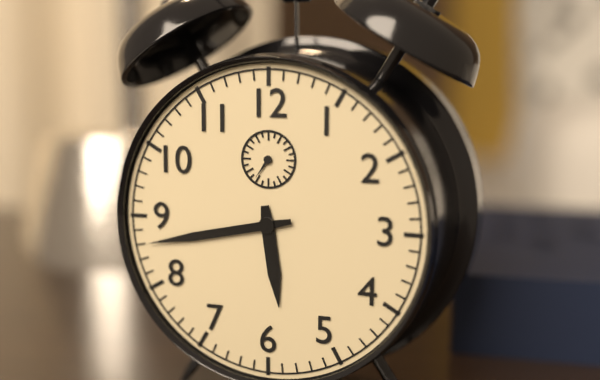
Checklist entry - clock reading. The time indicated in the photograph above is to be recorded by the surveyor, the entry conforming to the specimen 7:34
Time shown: 5:43
